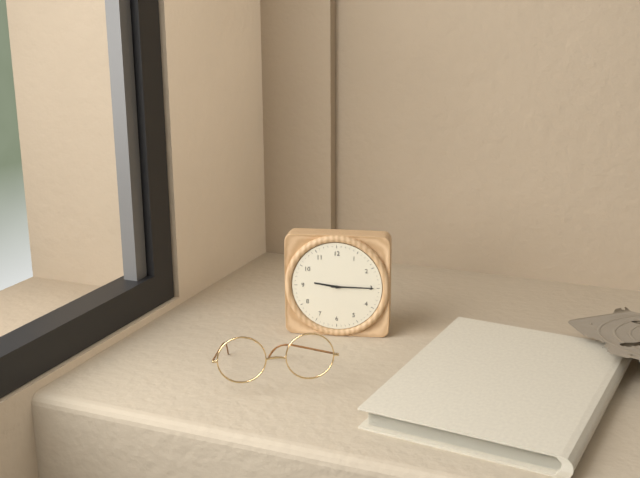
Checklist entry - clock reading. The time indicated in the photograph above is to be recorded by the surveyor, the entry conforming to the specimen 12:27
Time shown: 9:15
